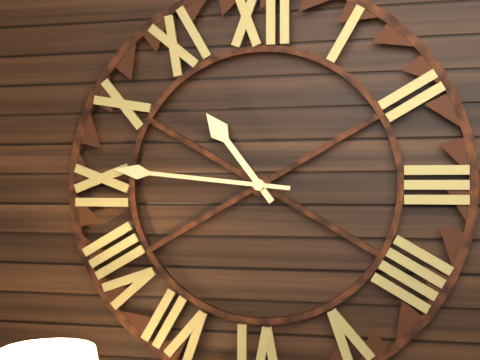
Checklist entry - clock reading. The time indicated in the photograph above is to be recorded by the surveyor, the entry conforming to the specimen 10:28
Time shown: 10:46
